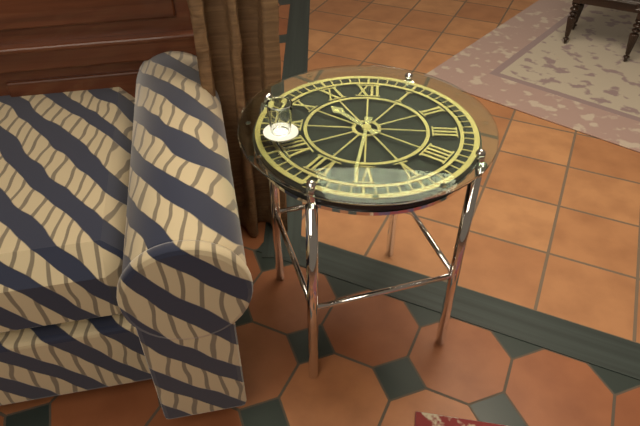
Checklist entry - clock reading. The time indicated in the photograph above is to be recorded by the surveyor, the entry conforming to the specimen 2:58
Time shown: 10:31
